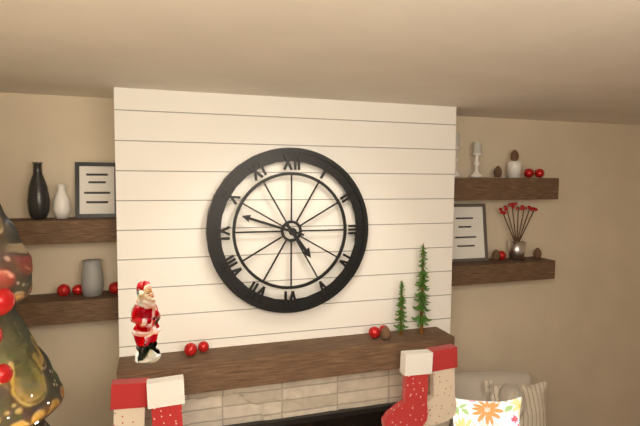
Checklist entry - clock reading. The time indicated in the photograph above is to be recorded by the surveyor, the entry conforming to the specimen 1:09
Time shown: 4:48
